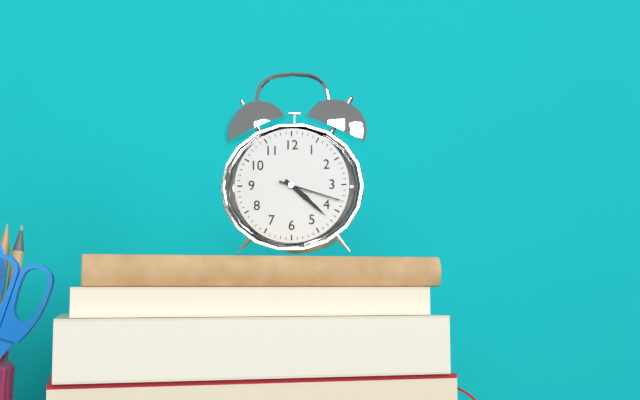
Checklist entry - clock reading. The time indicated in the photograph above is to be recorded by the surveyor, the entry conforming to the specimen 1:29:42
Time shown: 4:22:18
